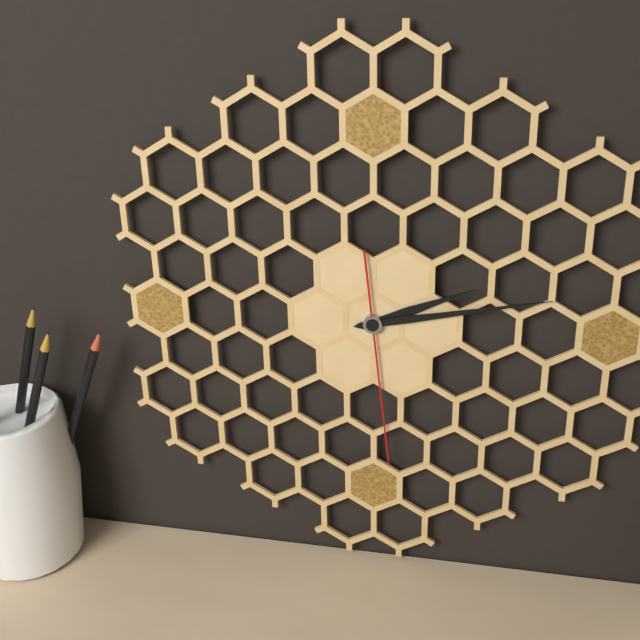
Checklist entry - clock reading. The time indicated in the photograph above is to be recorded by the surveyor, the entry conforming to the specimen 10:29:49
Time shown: 2:13:29
